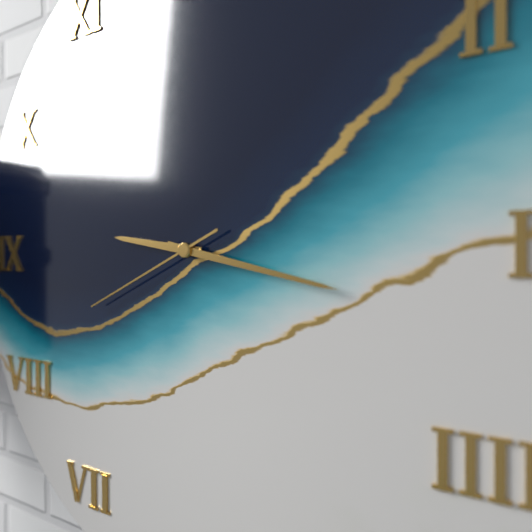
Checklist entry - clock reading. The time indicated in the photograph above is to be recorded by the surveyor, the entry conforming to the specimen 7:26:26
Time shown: 9:17:41
